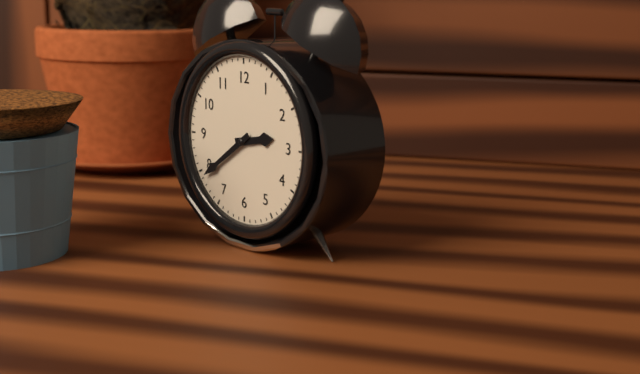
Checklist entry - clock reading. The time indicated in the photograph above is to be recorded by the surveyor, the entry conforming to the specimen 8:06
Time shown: 2:39
